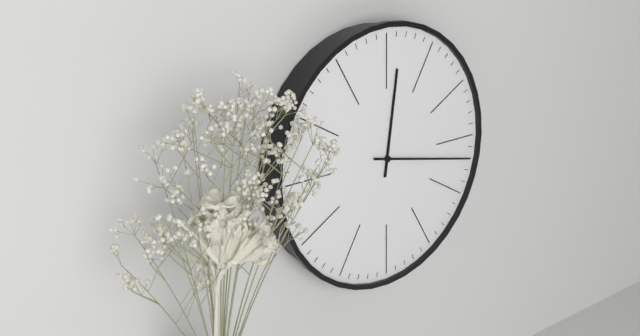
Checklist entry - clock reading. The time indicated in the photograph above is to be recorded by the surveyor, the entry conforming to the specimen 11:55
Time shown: 12:17
